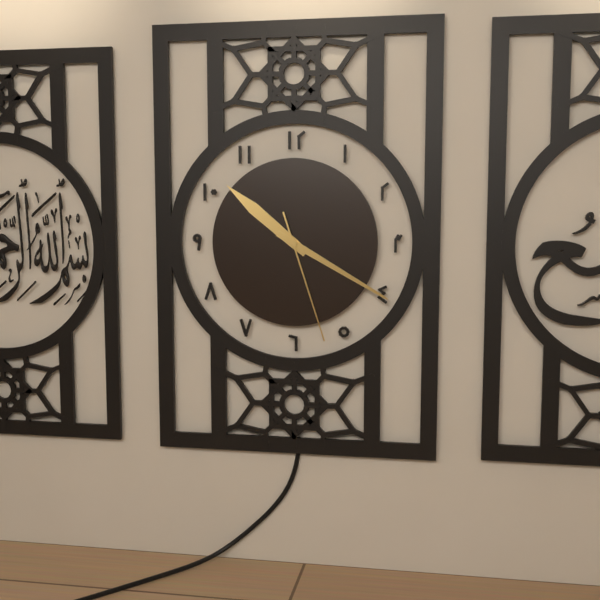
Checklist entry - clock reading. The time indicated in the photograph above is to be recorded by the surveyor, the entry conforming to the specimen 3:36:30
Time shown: 10:20:27
